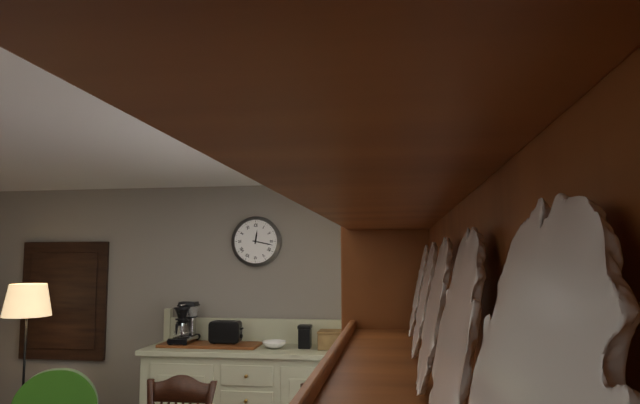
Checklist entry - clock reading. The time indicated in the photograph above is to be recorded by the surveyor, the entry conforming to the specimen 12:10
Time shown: 12:17
